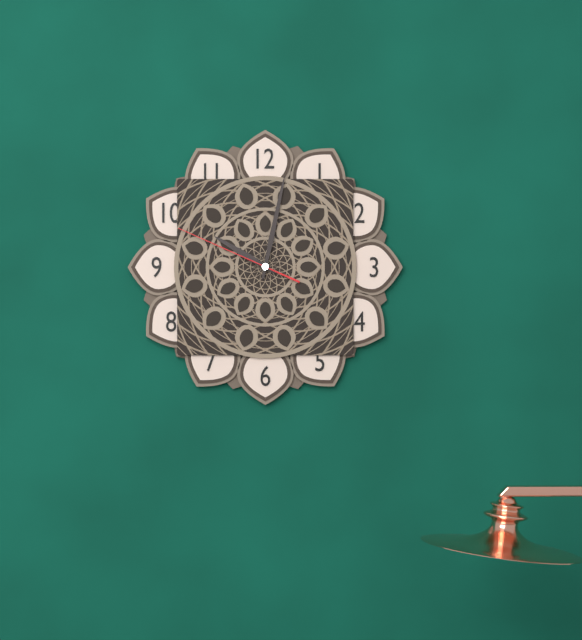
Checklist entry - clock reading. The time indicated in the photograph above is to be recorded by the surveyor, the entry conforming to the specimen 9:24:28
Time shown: 10:02:49
